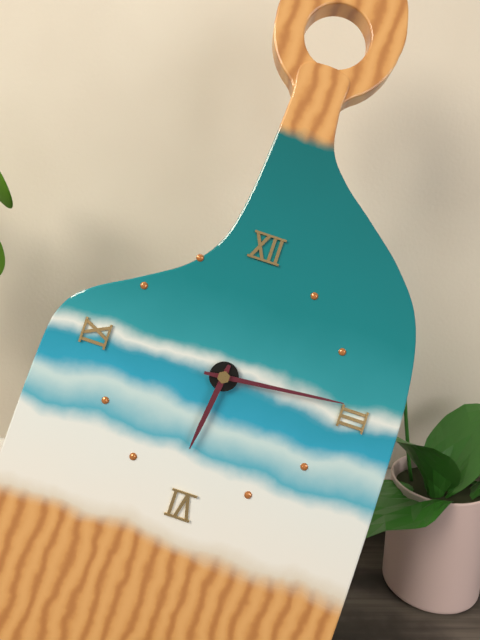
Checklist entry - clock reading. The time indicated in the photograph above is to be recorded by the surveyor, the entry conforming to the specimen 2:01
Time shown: 6:14
